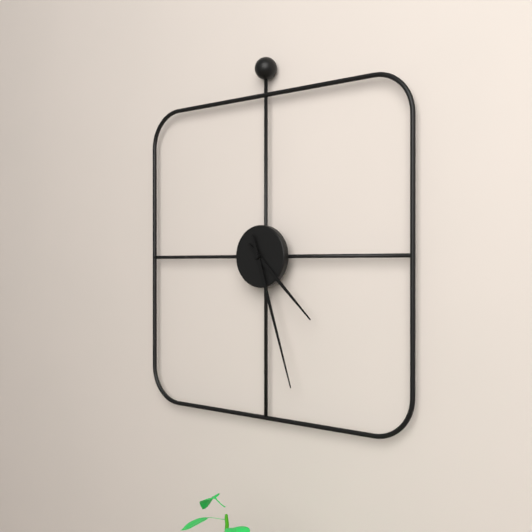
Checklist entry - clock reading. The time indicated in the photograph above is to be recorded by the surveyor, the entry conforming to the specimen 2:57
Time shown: 4:27
